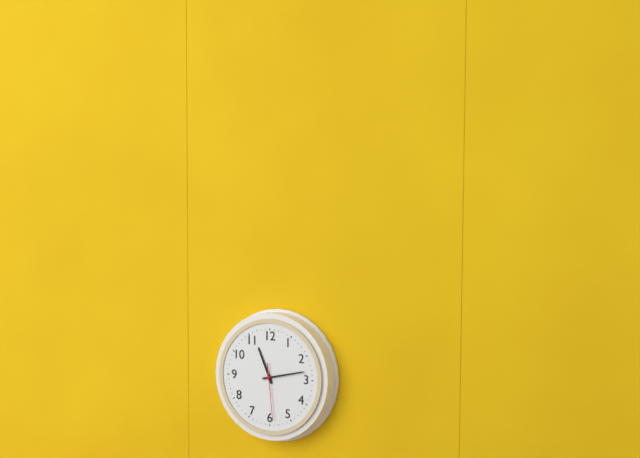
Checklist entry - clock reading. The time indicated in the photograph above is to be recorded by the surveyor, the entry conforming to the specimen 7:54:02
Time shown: 11:13:29
